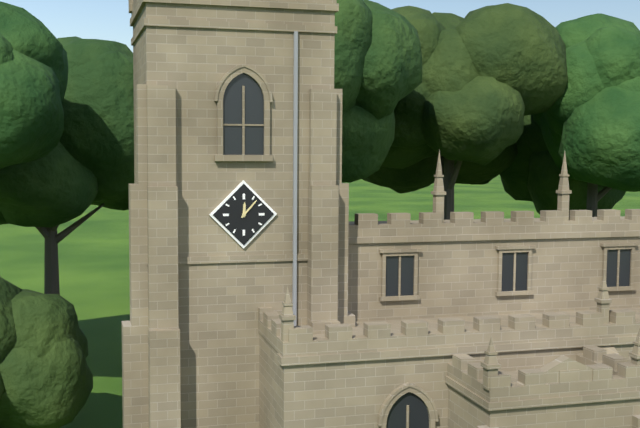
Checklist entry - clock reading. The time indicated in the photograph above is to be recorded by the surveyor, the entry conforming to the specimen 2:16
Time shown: 12:07
